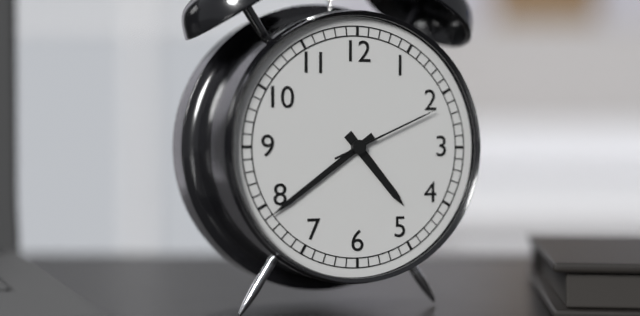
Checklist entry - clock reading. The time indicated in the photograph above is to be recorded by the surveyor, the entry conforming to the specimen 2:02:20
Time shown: 4:39:11
